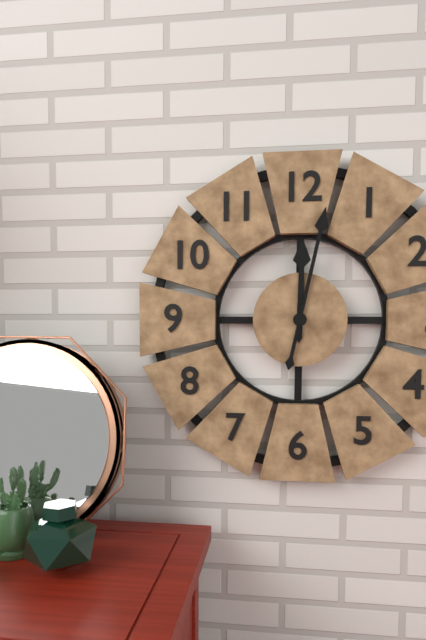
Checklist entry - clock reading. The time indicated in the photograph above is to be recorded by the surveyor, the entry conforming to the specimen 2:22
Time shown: 12:02
